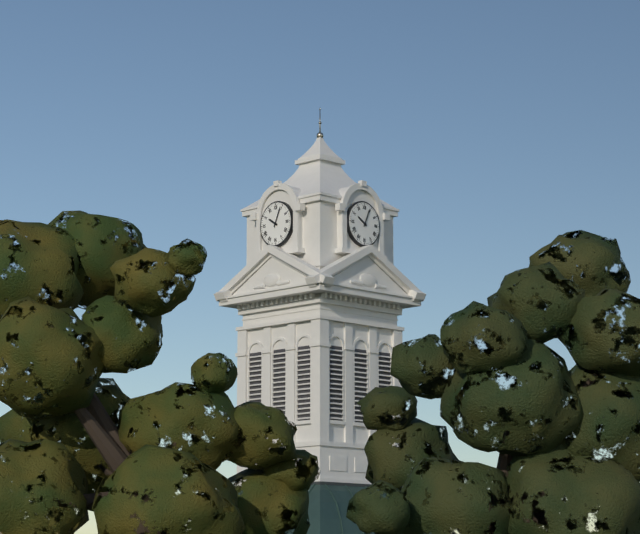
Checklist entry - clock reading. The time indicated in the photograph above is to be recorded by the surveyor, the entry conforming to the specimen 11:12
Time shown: 10:04
